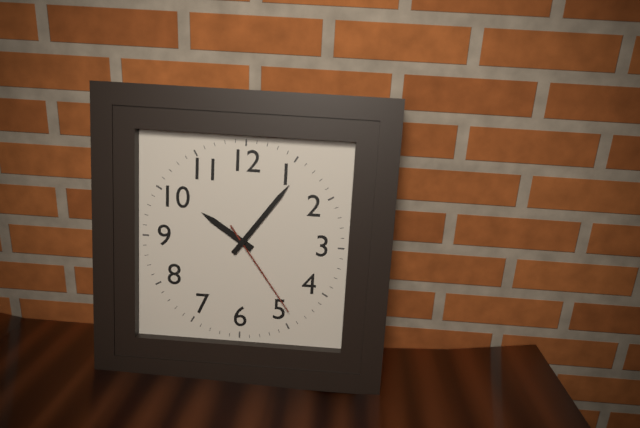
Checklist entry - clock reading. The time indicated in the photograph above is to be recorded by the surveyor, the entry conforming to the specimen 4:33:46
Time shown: 10:06:24
